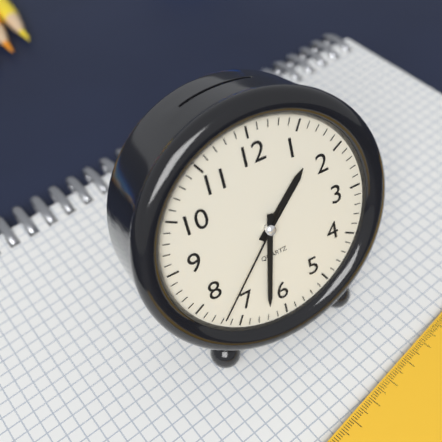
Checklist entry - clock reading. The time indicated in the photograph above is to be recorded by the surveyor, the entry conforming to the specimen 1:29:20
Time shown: 1:32:37
